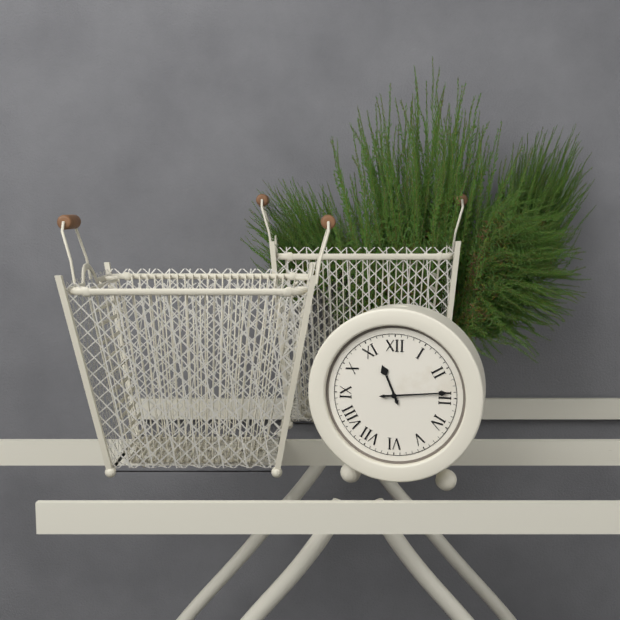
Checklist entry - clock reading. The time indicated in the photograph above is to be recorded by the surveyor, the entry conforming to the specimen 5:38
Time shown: 11:14
